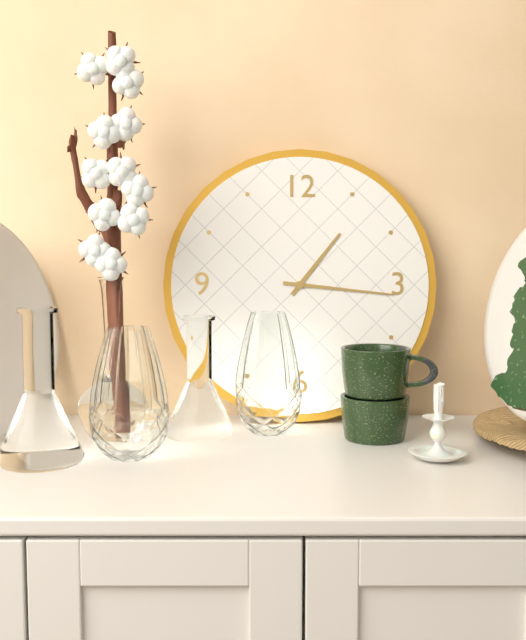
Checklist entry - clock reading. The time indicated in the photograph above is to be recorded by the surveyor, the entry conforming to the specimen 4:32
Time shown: 1:16
